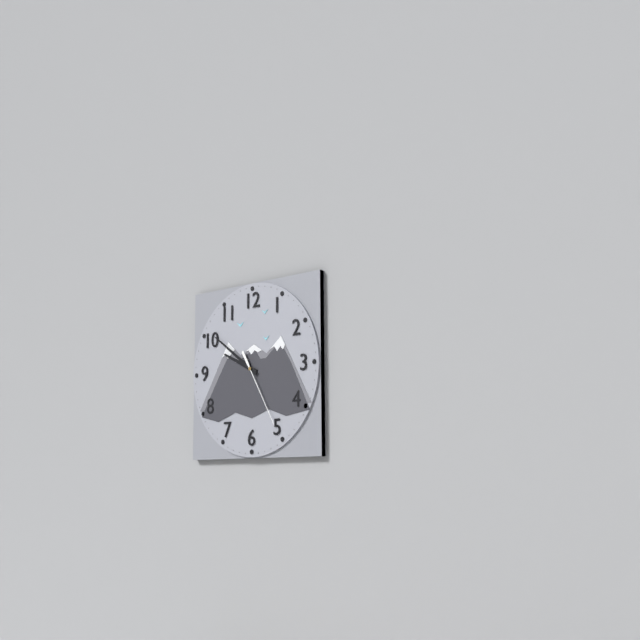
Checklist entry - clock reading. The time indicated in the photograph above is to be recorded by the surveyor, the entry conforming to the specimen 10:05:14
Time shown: 9:51:25
